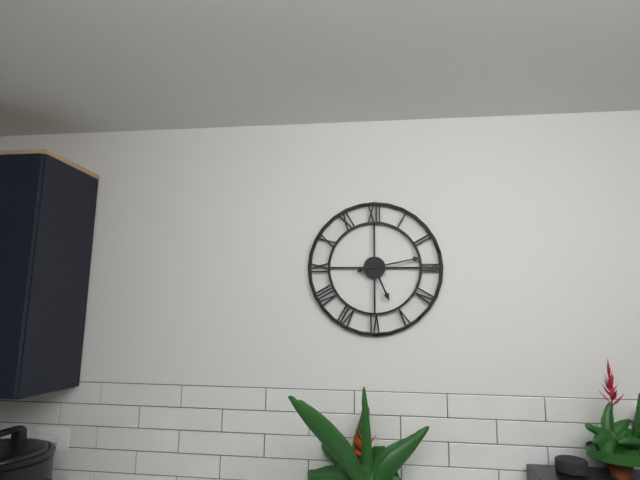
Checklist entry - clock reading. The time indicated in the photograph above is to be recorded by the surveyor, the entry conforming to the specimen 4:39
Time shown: 5:13
